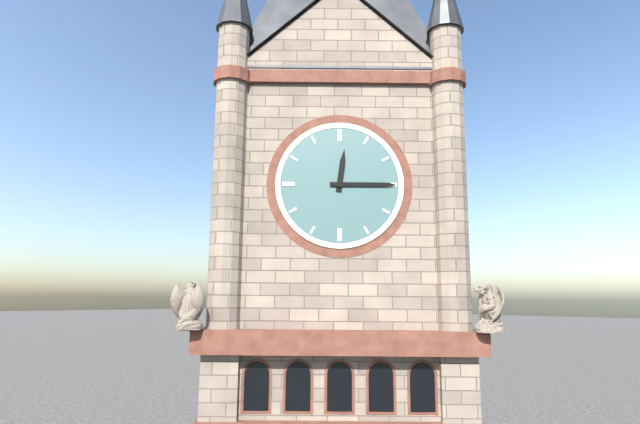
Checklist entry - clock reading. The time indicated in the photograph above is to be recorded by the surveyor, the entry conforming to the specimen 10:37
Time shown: 12:15
